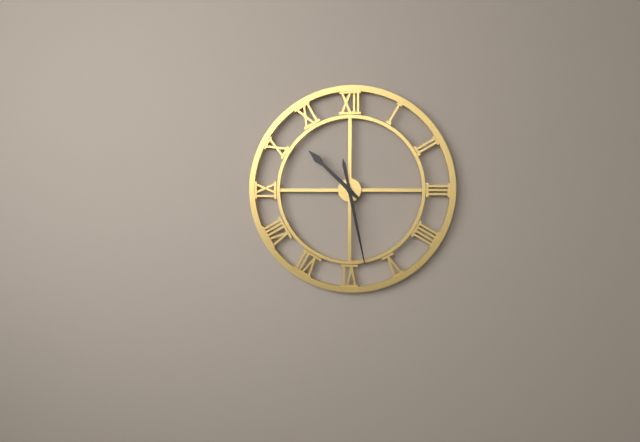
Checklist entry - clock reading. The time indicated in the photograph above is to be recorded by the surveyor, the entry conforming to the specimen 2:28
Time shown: 10:28
